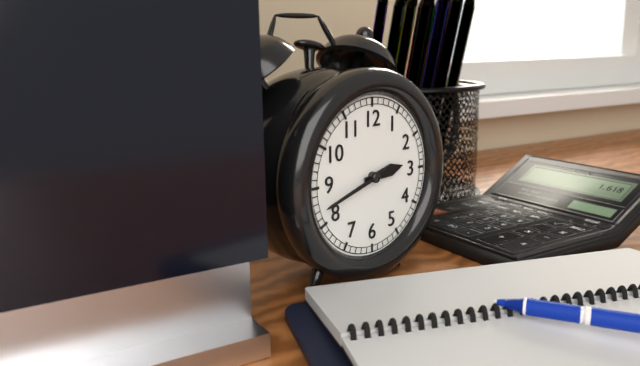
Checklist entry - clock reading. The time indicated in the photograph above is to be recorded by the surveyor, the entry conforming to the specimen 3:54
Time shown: 2:42
